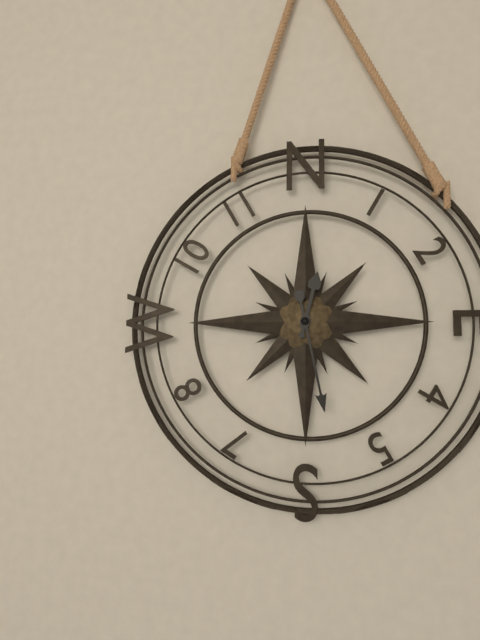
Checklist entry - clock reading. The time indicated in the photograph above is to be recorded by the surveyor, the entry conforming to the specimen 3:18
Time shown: 12:28
